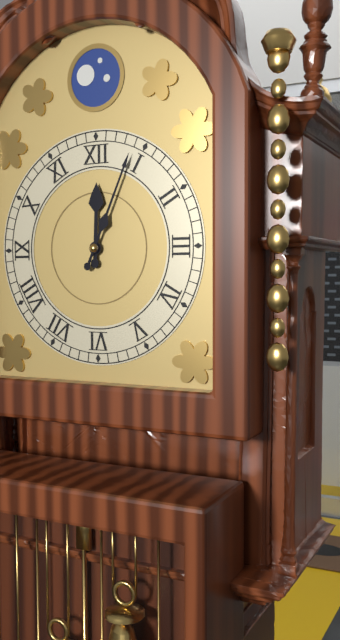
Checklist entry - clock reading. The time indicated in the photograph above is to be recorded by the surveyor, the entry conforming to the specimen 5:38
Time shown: 12:04
